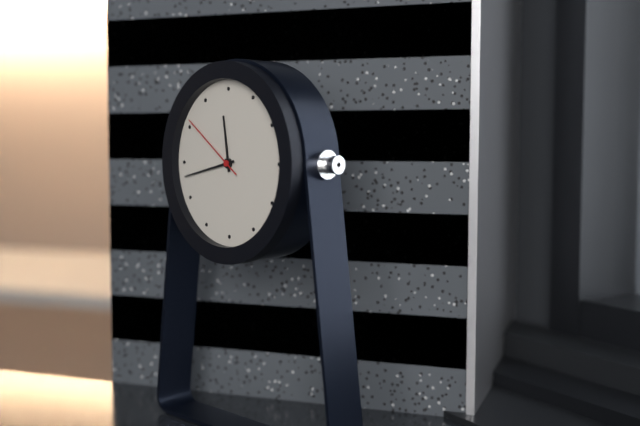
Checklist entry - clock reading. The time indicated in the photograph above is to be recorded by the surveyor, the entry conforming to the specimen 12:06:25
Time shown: 11:43:51
